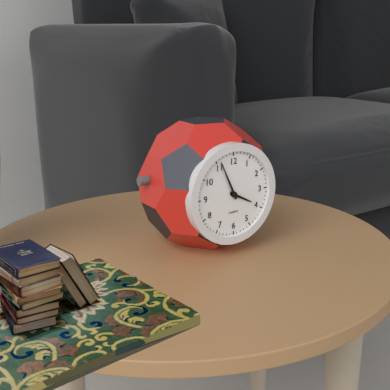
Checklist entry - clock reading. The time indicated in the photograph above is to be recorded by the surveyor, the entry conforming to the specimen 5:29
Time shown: 3:56
